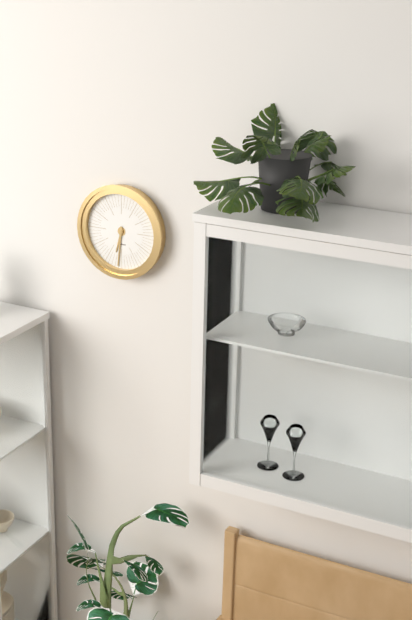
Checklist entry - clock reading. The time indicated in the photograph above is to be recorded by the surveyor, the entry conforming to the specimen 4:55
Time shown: 6:31
